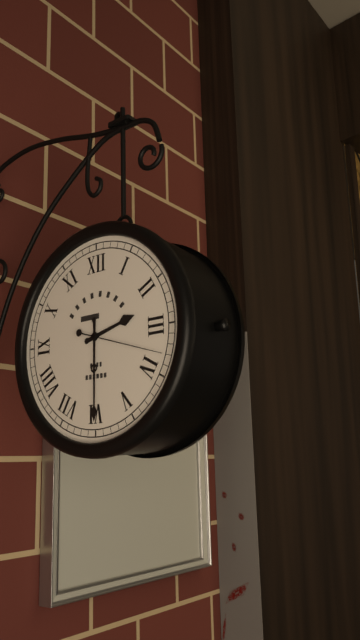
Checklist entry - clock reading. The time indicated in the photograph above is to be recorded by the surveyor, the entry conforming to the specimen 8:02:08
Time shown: 2:30:18
